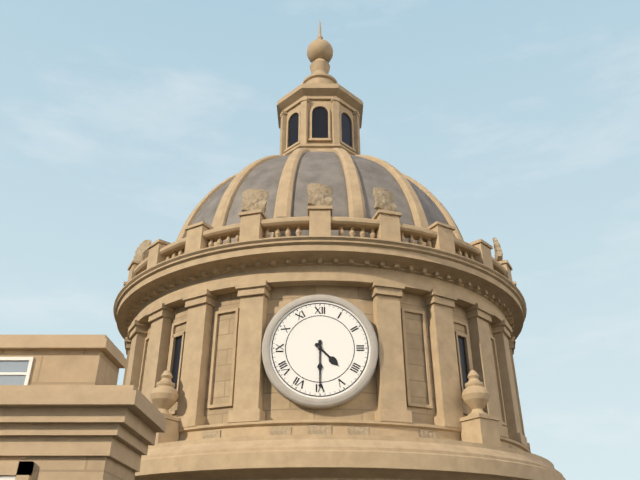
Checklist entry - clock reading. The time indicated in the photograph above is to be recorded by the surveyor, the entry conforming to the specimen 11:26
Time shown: 4:30
